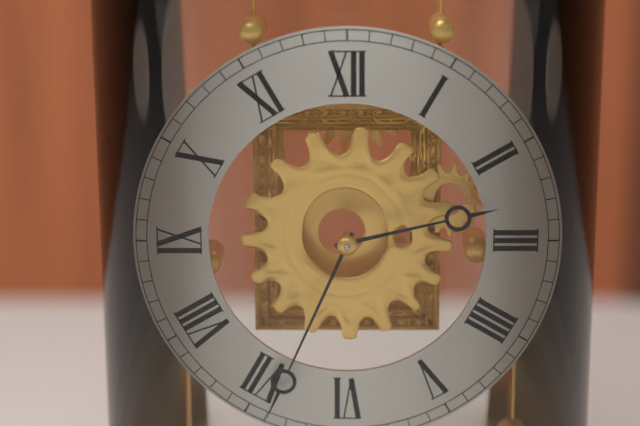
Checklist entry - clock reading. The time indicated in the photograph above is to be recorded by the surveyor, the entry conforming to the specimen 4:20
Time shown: 2:34
